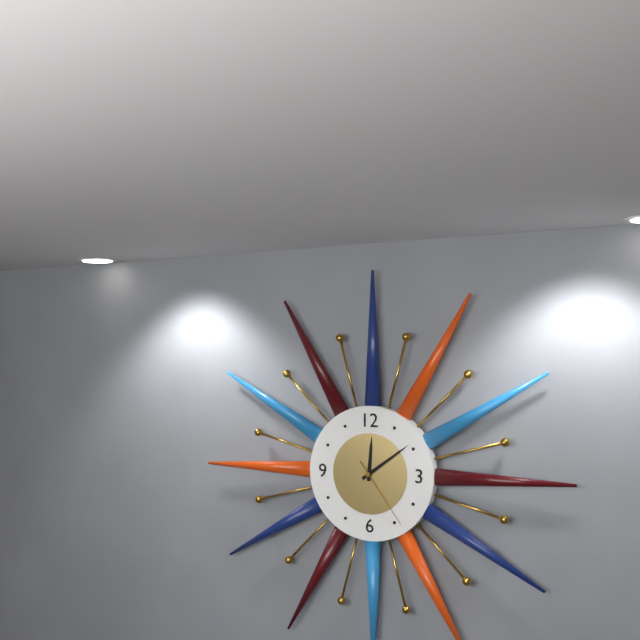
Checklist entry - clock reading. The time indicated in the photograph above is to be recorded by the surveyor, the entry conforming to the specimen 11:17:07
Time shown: 12:09:24
